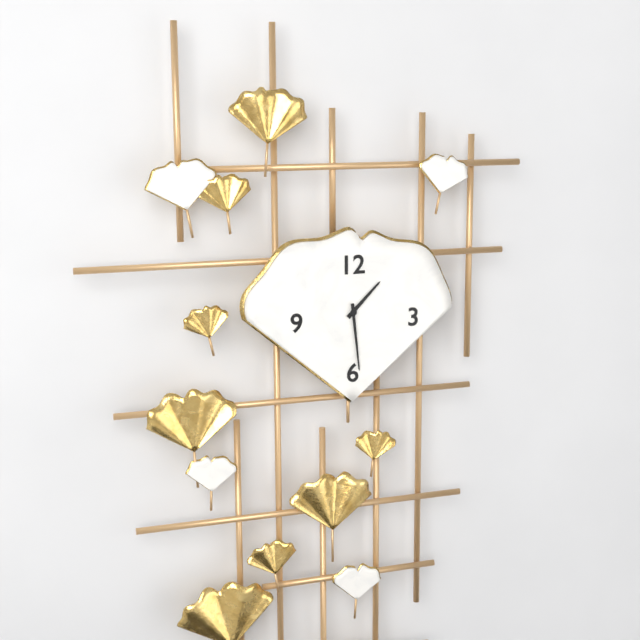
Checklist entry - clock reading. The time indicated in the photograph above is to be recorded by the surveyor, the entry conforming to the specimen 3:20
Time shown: 1:29
